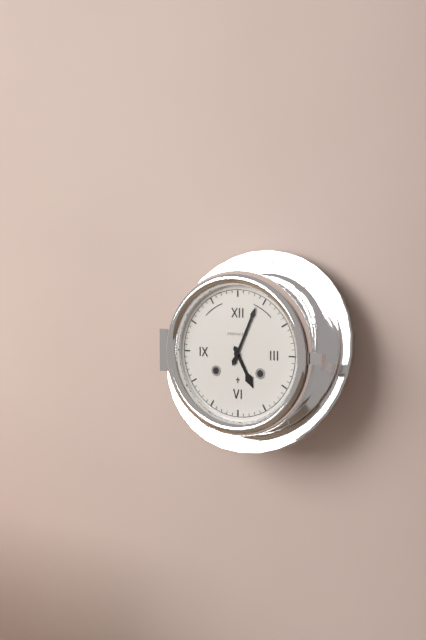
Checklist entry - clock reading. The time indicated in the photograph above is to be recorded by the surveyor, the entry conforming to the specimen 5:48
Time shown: 5:04
